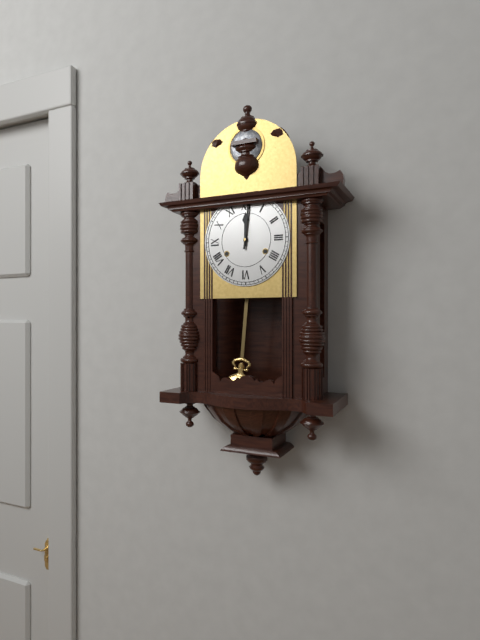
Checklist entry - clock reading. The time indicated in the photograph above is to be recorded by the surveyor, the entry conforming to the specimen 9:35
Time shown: 12:01
